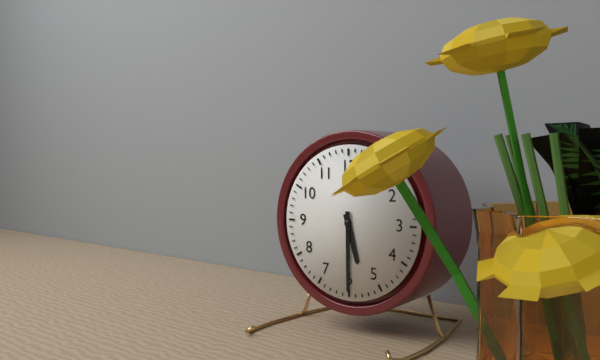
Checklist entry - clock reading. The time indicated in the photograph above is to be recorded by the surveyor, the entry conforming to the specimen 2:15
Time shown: 5:30
